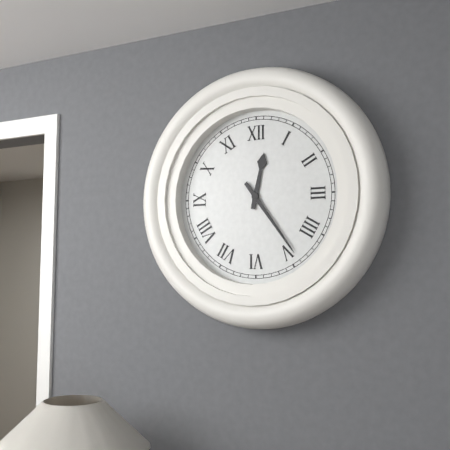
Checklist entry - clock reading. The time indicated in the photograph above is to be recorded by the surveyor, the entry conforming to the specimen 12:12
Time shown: 12:24
